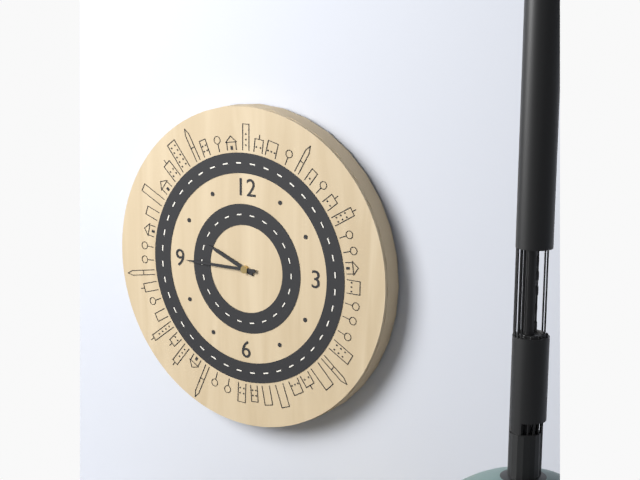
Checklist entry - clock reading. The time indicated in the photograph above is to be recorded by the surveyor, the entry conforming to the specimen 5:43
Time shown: 9:45
